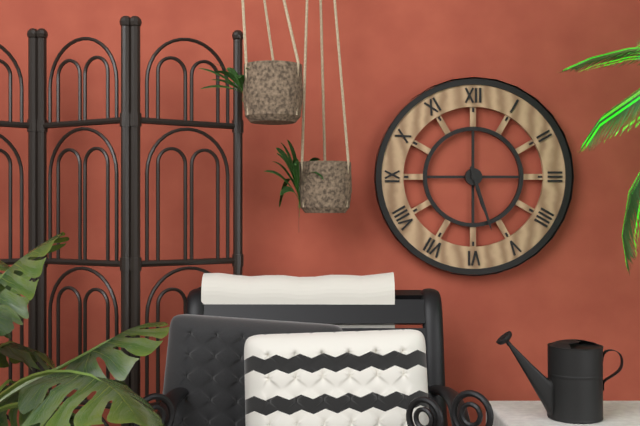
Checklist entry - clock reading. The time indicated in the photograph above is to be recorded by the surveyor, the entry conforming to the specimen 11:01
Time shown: 5:27
